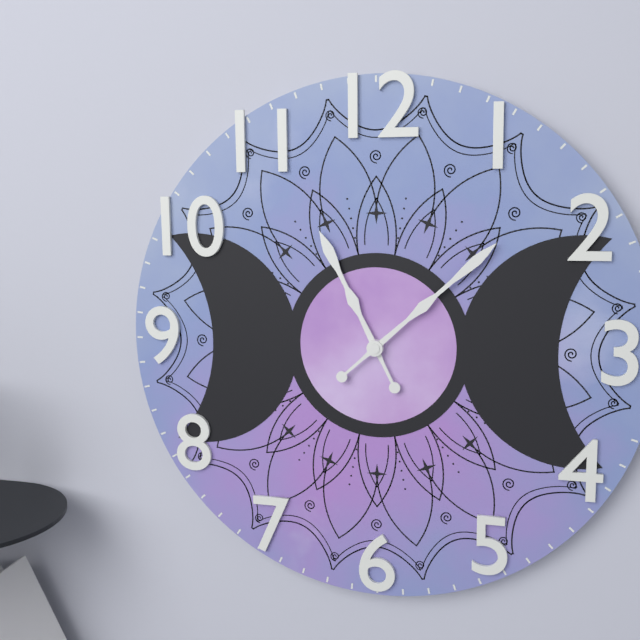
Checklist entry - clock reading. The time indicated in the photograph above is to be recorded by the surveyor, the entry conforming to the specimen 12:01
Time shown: 11:08
